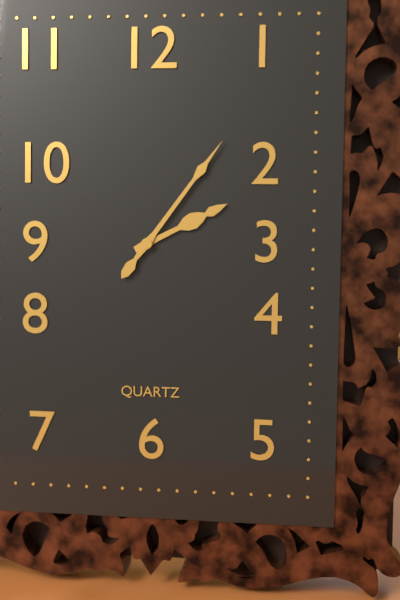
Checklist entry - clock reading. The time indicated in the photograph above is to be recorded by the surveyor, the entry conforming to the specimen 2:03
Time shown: 2:06
